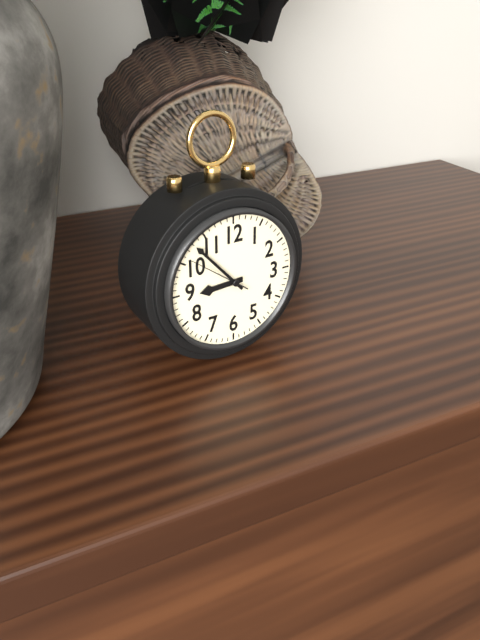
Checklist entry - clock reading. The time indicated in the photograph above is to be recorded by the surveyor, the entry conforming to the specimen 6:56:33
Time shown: 8:53:51
